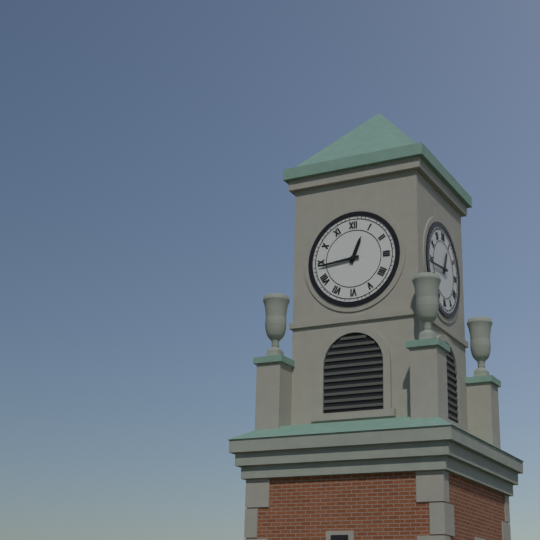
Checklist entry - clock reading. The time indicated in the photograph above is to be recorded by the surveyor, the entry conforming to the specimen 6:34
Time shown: 12:44
